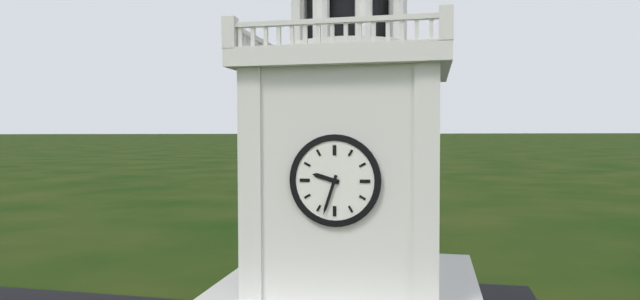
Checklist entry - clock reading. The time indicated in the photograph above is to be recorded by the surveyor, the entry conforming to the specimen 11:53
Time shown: 9:33
